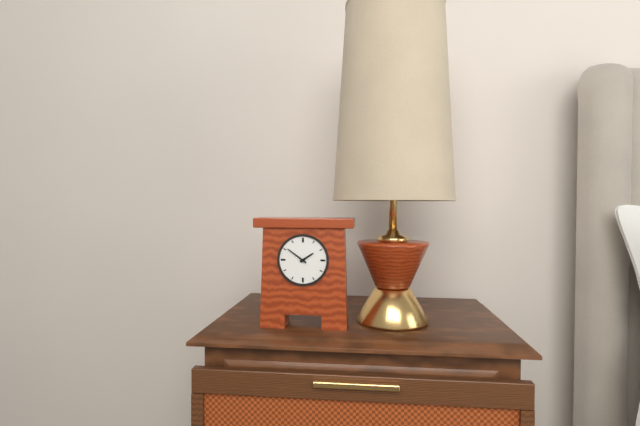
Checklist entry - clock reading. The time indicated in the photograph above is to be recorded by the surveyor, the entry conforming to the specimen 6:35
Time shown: 1:51
